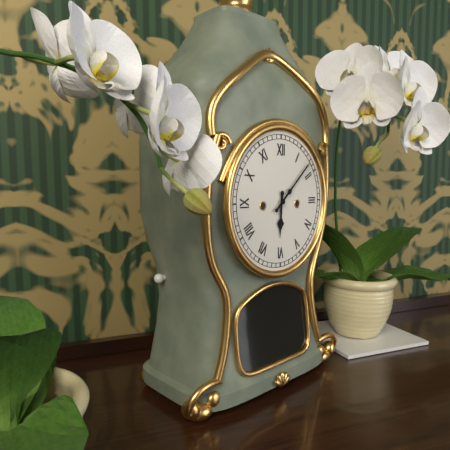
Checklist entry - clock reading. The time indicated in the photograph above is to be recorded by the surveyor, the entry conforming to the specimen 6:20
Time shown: 6:08
